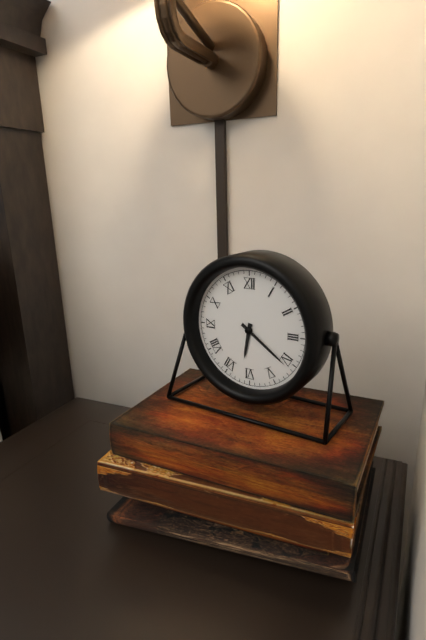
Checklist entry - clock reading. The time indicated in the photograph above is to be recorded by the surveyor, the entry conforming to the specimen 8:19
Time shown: 6:21
